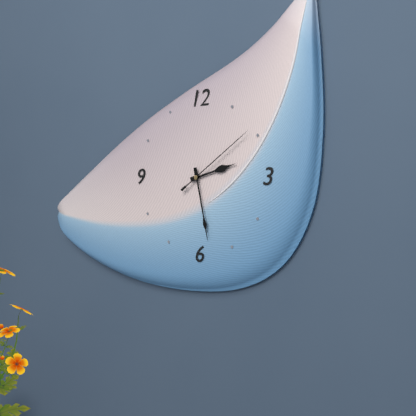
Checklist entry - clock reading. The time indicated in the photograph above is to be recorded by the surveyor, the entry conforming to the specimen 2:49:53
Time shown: 2:28:09
